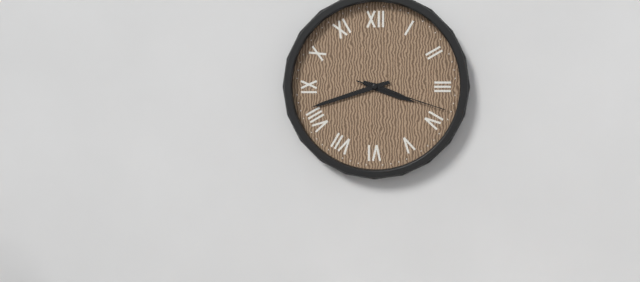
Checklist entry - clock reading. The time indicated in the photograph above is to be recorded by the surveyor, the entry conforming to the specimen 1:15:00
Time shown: 3:42:18
